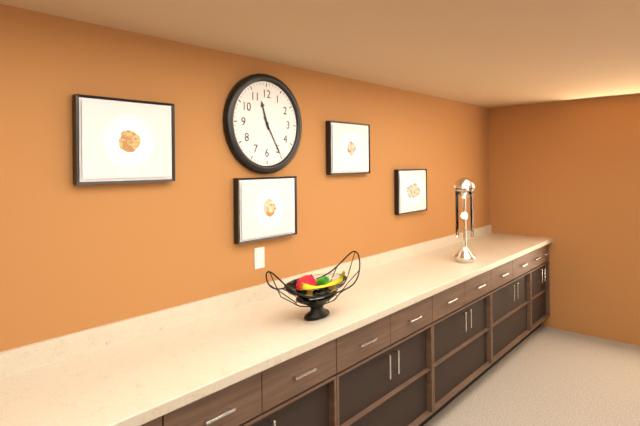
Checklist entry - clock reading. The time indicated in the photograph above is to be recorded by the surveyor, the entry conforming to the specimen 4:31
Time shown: 11:25
